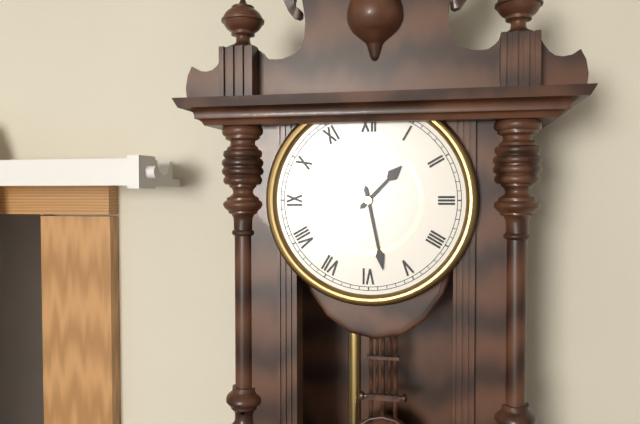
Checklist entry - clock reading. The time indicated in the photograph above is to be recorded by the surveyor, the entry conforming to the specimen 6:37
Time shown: 1:28
